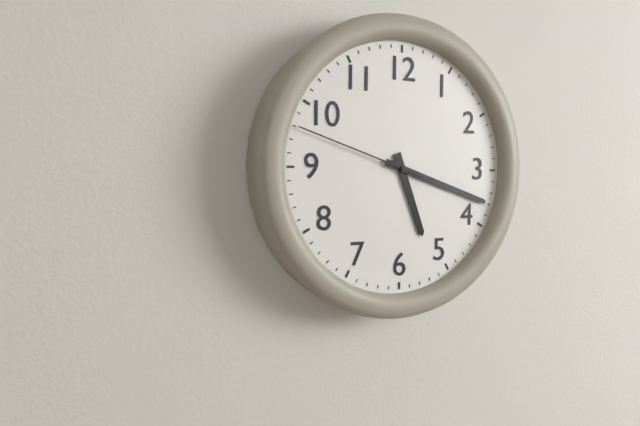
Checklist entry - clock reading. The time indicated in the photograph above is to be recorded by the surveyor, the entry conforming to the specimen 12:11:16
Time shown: 5:18:48
